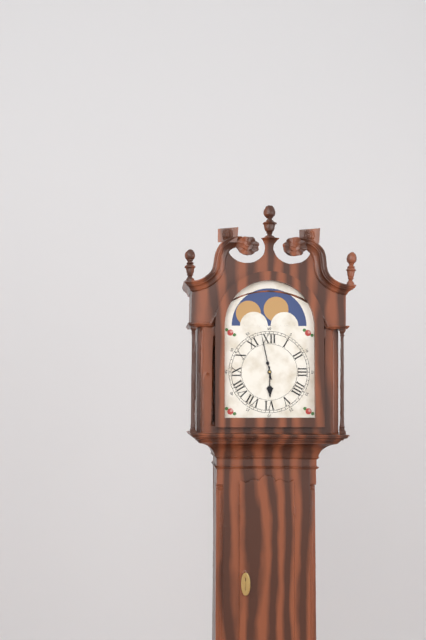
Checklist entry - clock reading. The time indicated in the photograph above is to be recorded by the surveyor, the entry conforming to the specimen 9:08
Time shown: 5:58
